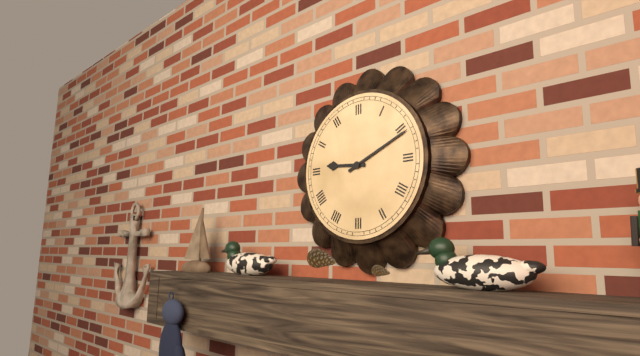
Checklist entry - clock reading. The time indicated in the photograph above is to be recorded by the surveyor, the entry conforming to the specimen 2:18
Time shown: 9:11
